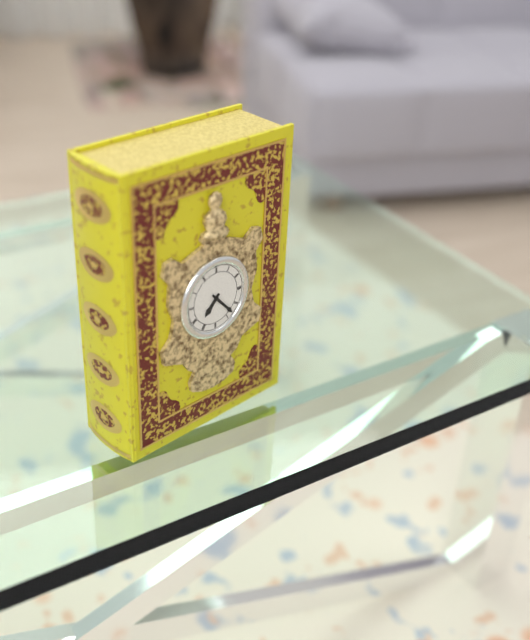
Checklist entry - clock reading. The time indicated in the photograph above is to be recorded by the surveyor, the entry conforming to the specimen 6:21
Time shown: 7:23
